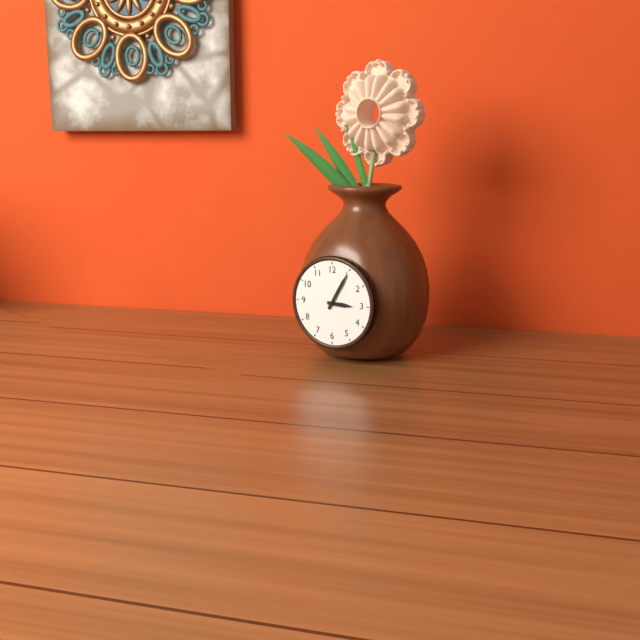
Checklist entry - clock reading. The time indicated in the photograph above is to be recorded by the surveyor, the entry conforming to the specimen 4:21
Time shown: 3:05
